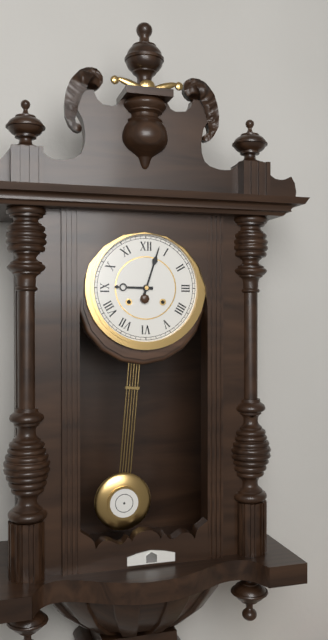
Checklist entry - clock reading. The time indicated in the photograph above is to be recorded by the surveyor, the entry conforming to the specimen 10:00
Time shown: 9:03
